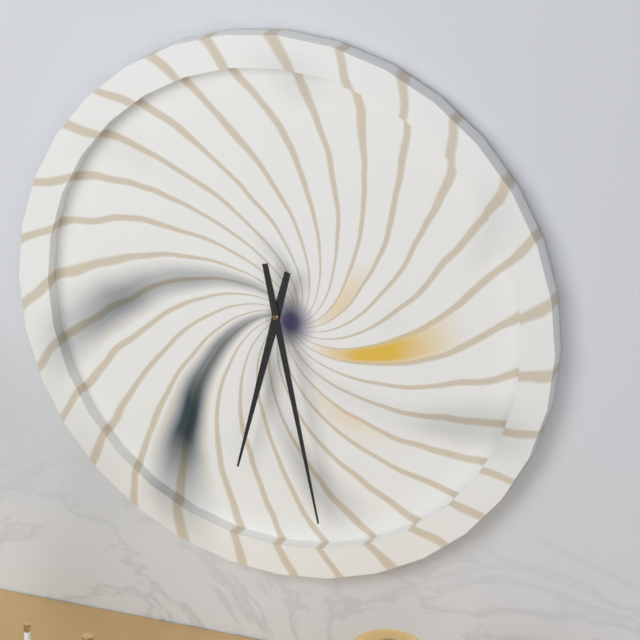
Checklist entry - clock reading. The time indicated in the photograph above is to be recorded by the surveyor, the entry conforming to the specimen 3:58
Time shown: 6:28
